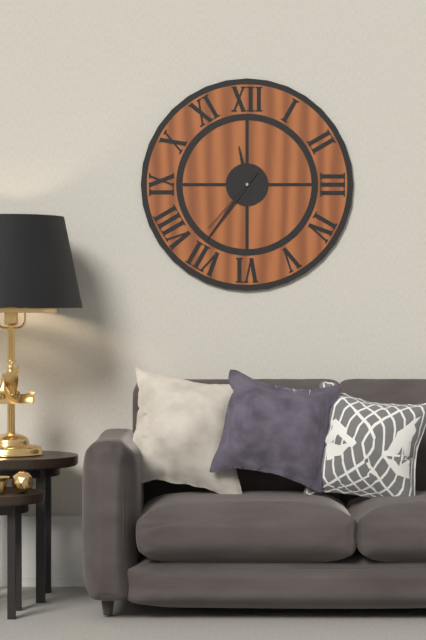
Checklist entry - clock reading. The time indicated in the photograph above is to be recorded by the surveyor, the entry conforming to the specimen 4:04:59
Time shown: 11:36:37
